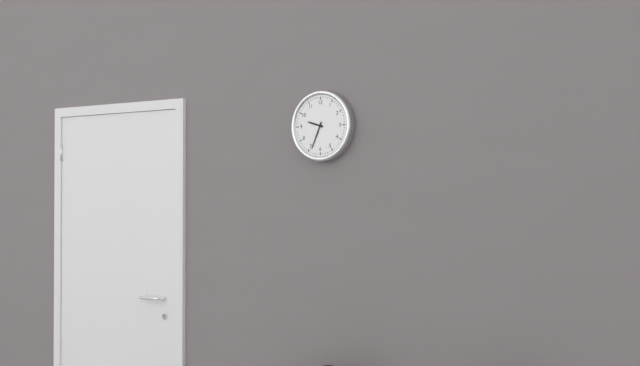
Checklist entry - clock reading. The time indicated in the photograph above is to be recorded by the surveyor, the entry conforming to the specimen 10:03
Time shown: 9:34
